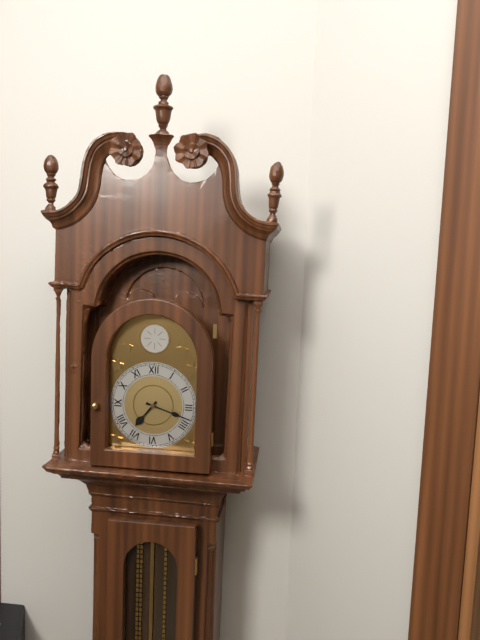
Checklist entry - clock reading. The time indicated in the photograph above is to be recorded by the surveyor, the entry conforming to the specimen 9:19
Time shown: 7:18
